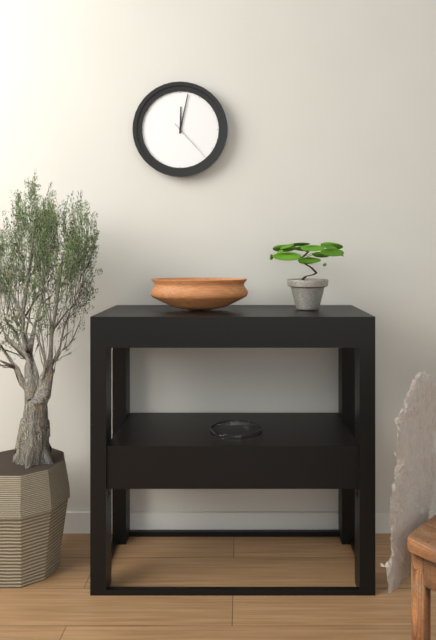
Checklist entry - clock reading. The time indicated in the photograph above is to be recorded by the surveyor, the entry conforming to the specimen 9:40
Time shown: 12:02
